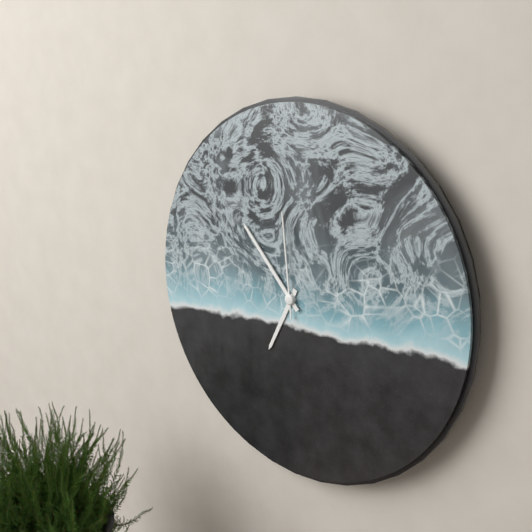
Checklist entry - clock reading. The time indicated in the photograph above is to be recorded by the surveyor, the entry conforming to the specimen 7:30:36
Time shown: 6:53:59
